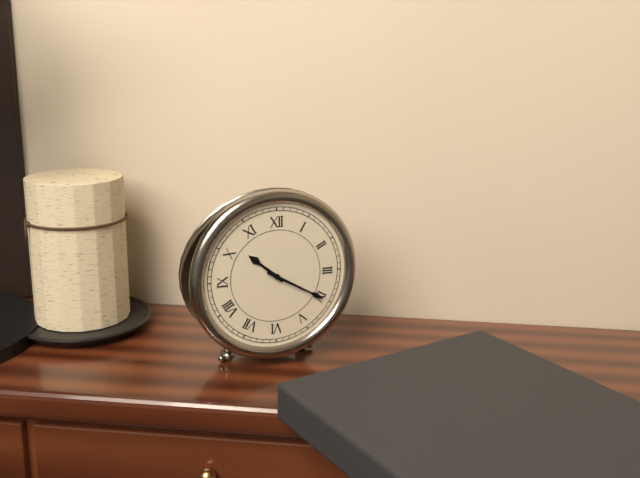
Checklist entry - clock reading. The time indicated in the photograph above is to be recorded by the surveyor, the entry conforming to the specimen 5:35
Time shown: 10:20
